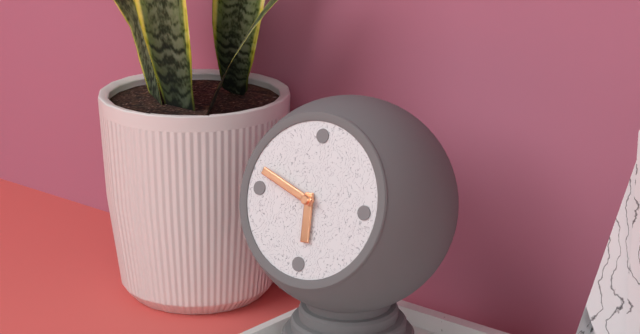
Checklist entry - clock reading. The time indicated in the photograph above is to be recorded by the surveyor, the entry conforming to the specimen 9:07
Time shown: 5:48
